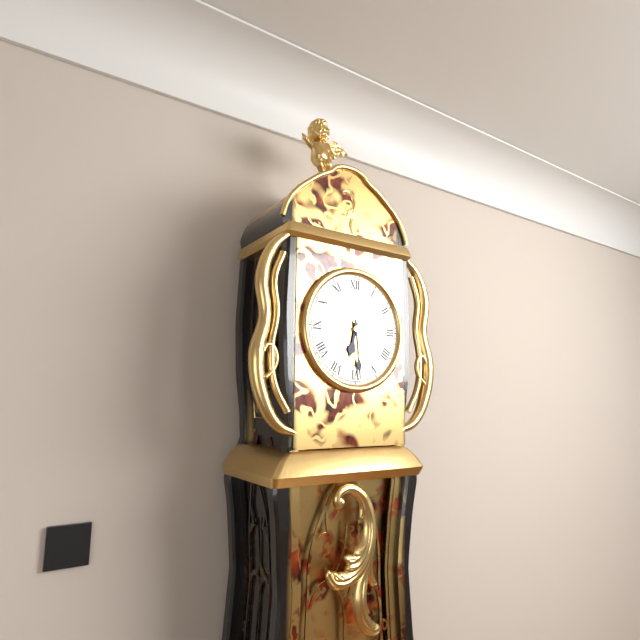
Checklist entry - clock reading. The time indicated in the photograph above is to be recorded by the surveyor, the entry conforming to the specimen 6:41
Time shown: 6:29
